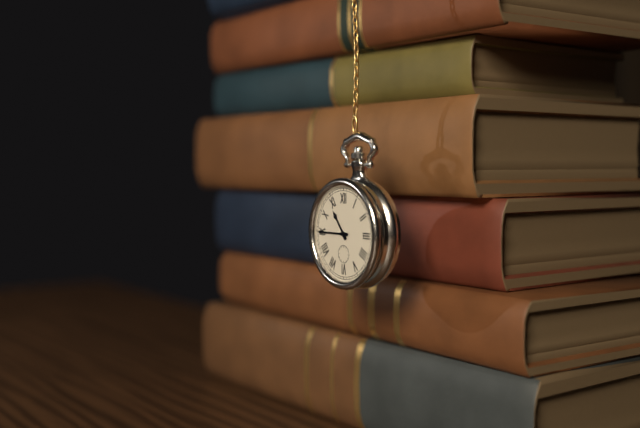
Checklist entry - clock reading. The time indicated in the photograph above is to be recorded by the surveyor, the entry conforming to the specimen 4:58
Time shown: 10:45
